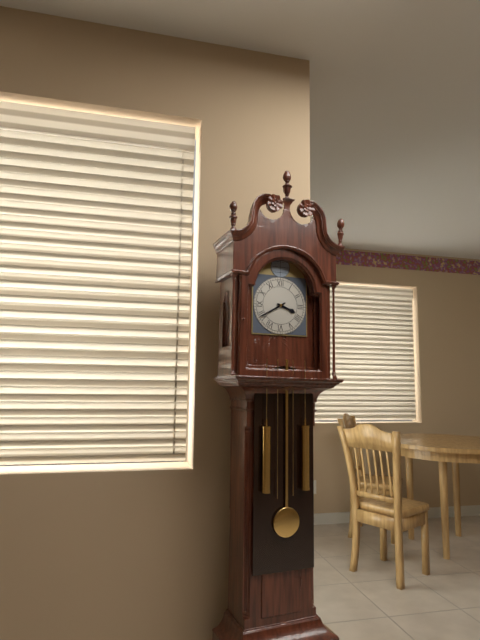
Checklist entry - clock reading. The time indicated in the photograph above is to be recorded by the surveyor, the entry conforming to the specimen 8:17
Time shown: 3:40
